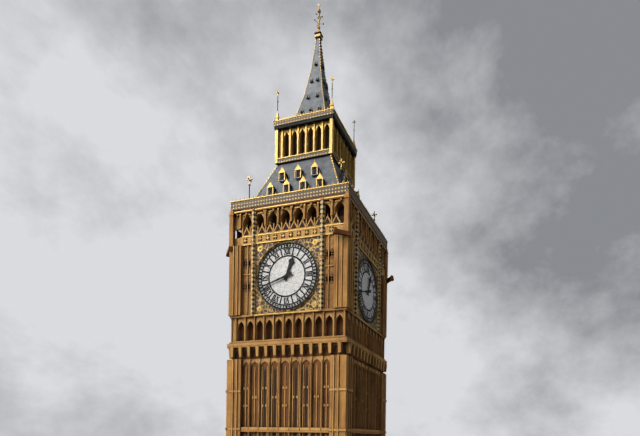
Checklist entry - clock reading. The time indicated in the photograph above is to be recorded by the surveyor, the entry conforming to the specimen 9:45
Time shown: 12:42
